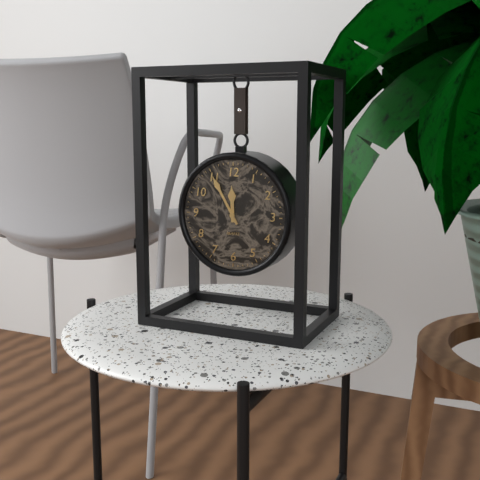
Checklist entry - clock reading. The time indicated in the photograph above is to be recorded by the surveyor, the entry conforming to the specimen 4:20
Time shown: 11:55
